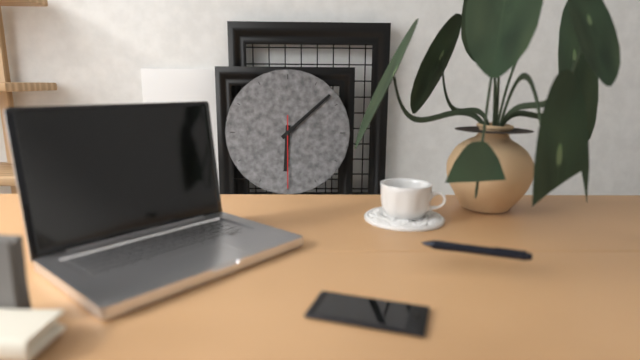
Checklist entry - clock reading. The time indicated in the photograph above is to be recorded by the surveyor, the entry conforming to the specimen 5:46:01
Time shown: 6:08:30
